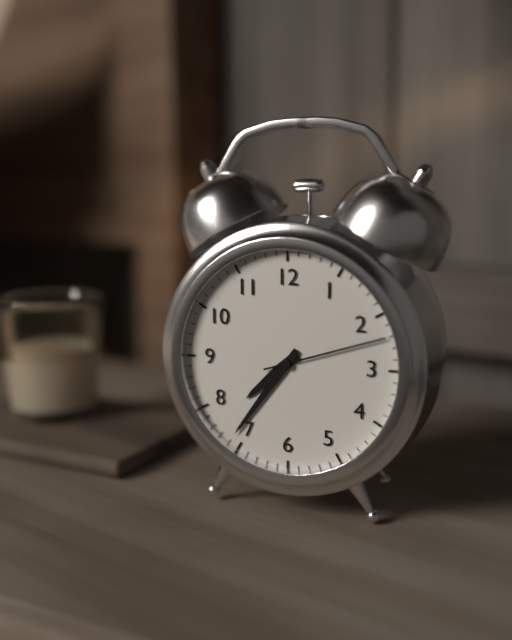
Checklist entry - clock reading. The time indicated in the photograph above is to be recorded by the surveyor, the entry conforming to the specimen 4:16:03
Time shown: 7:36:12
